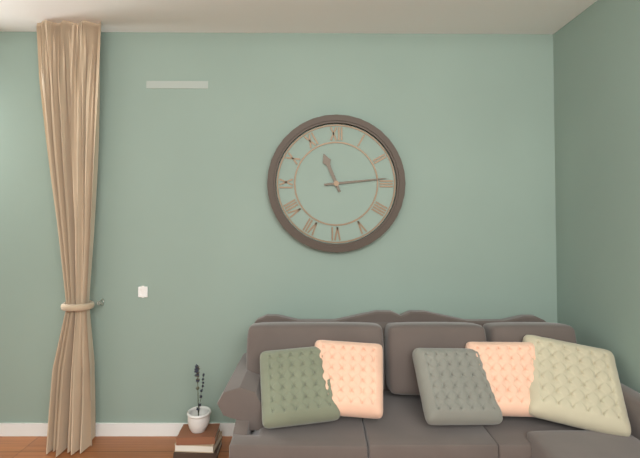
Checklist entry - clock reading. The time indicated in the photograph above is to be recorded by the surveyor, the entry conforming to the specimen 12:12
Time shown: 11:14
